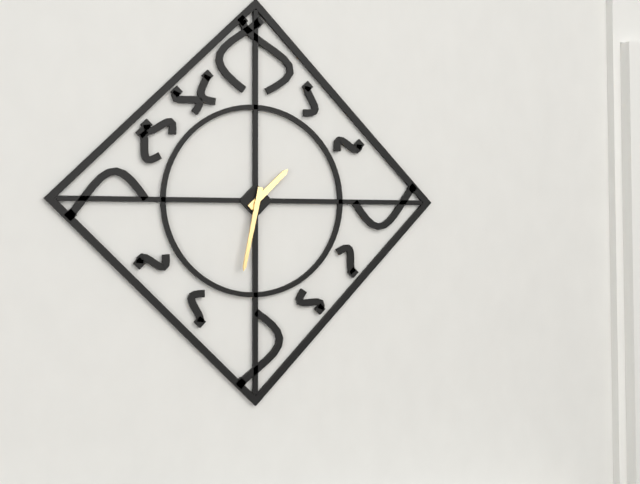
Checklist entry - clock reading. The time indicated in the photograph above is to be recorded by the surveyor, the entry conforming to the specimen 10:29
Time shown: 1:32
